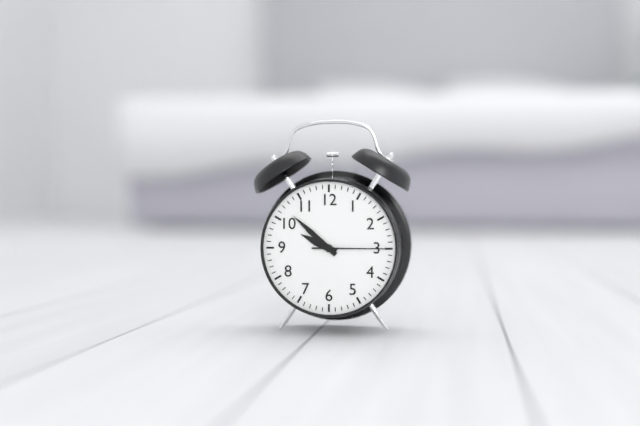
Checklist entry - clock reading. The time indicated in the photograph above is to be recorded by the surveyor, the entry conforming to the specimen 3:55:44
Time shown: 9:52:15
